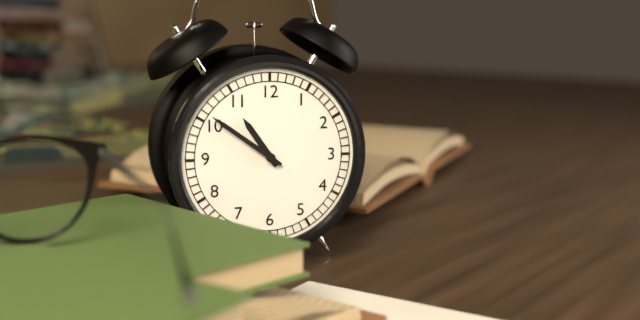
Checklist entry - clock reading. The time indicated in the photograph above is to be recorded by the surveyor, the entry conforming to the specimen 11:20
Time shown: 10:51
